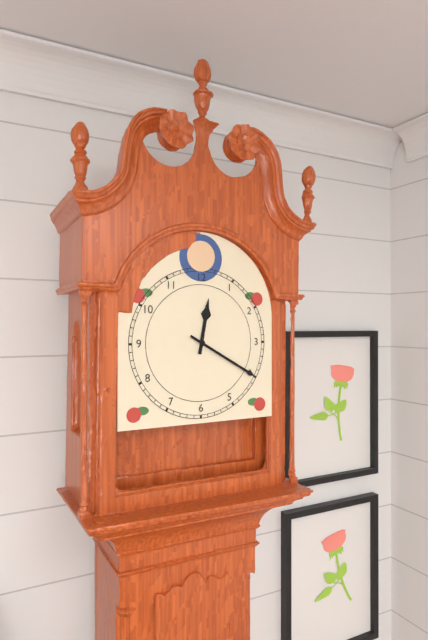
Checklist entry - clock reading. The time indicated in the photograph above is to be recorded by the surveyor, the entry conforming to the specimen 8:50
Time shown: 12:20
